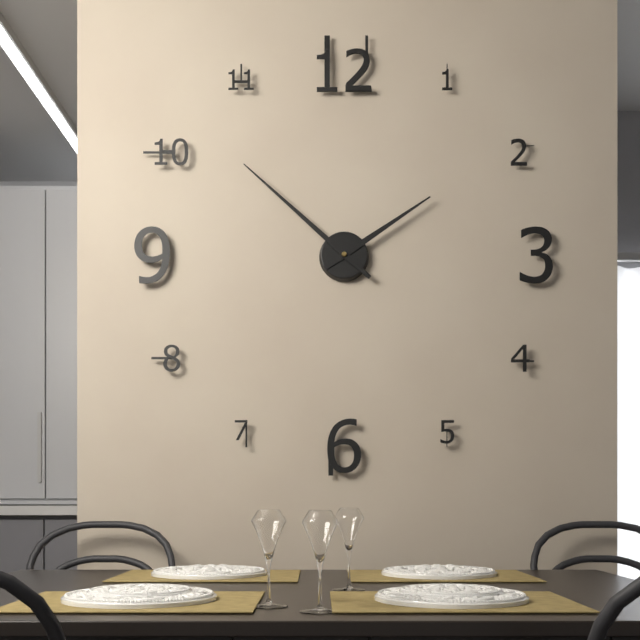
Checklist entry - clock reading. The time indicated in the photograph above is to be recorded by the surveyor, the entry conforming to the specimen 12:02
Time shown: 1:52
